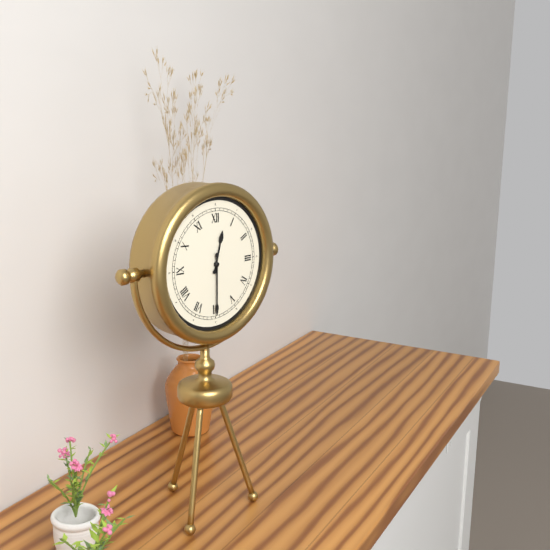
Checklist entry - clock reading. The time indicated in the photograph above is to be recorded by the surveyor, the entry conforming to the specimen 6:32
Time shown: 12:30
